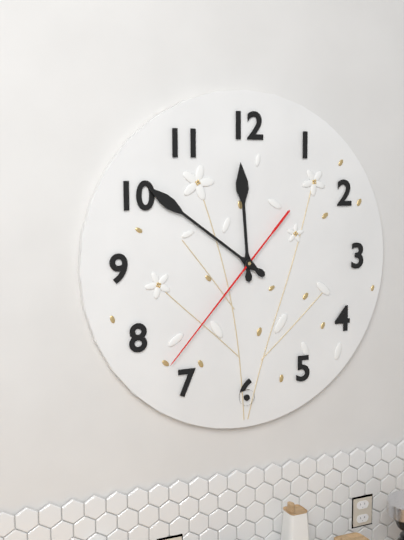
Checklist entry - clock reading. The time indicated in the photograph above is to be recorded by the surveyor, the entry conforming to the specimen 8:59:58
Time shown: 11:51:37
